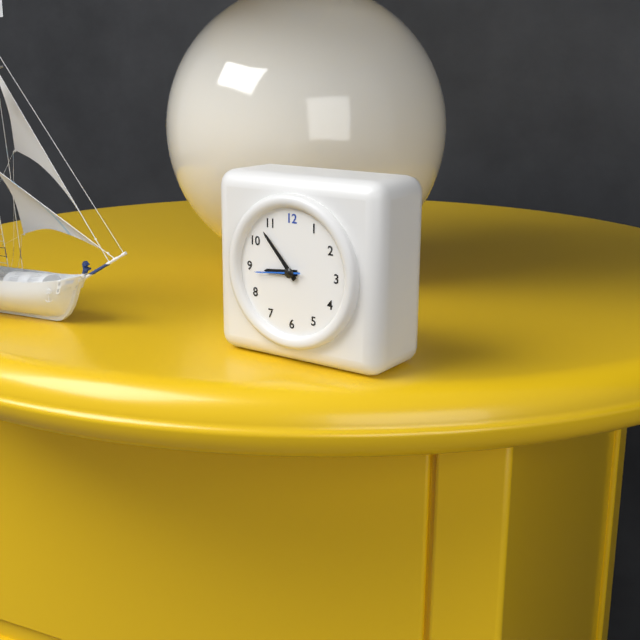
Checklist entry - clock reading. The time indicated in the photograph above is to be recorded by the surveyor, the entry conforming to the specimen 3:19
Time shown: 8:53
